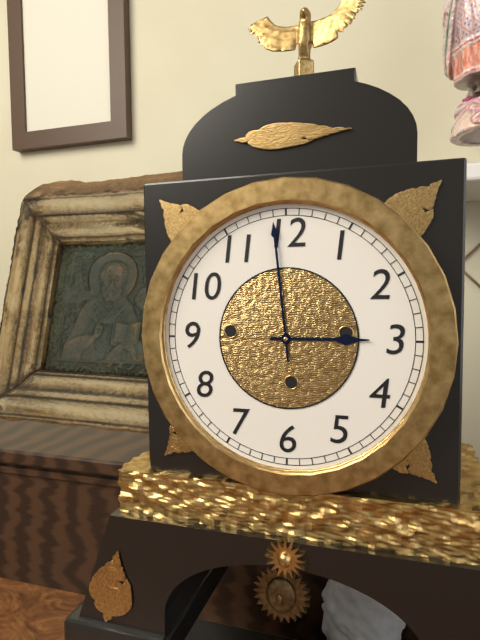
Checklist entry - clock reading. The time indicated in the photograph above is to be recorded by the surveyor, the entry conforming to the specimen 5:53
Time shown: 2:59
